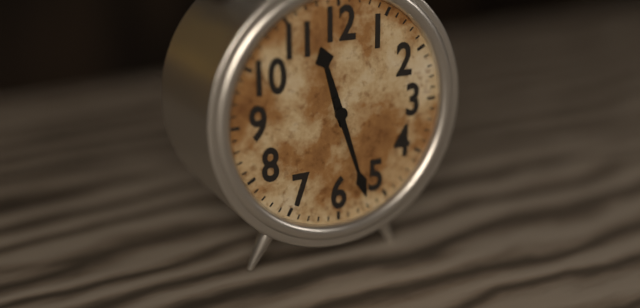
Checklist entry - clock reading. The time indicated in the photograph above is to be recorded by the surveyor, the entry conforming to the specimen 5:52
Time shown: 11:27
